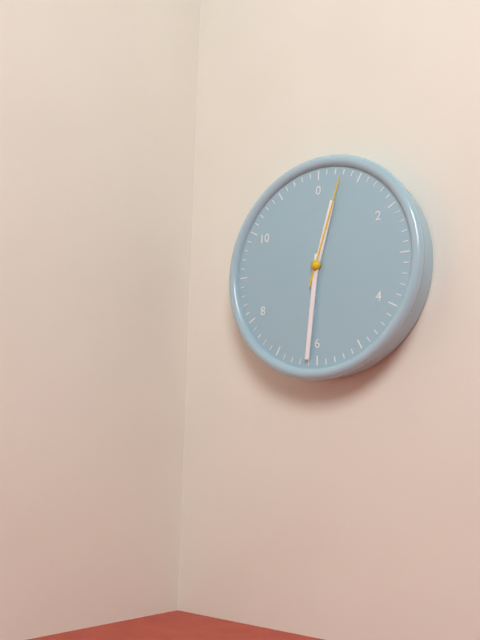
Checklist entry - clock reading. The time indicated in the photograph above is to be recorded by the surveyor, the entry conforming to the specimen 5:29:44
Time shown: 12:31:03
